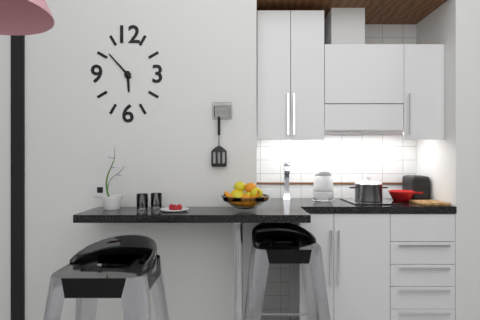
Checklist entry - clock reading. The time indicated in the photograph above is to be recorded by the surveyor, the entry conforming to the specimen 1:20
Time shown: 5:53
